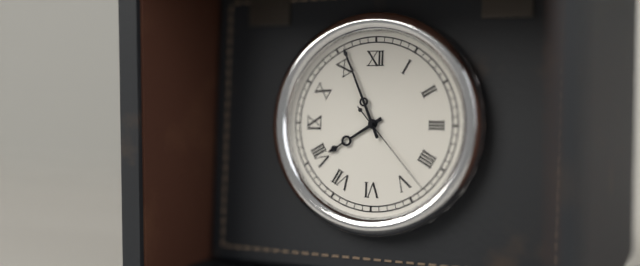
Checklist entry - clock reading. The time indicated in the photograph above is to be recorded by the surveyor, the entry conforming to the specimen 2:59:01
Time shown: 7:56:23
